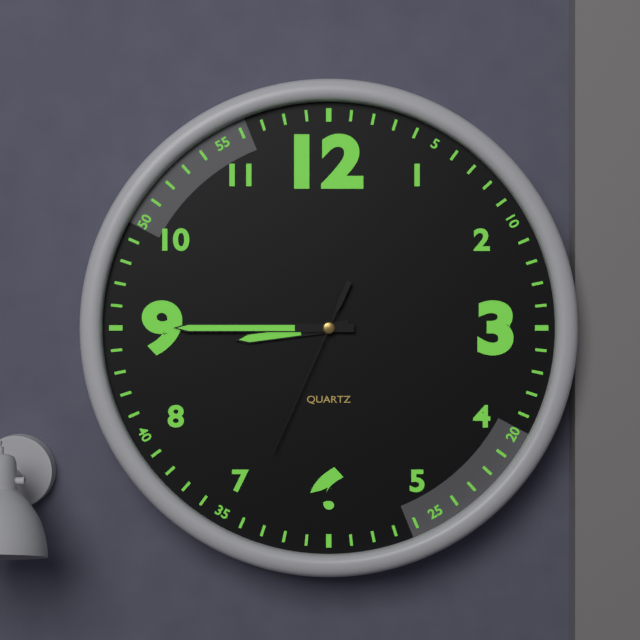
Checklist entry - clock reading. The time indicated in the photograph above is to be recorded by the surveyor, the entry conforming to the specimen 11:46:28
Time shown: 8:45:34
